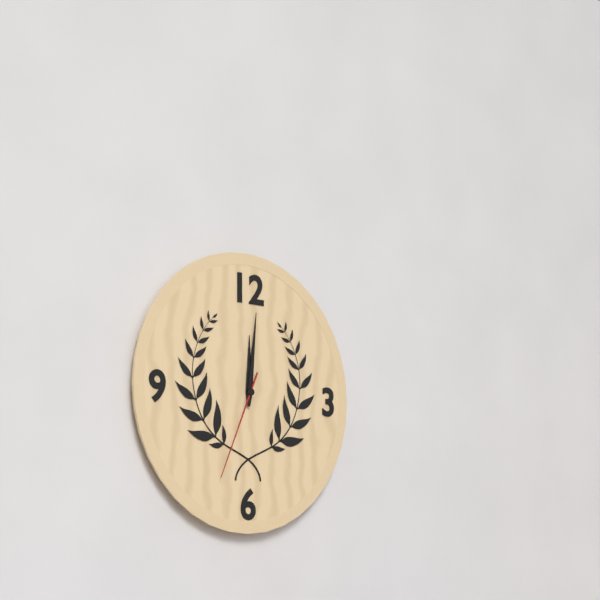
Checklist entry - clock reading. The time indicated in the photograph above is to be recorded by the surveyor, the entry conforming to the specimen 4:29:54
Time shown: 12:01:34
